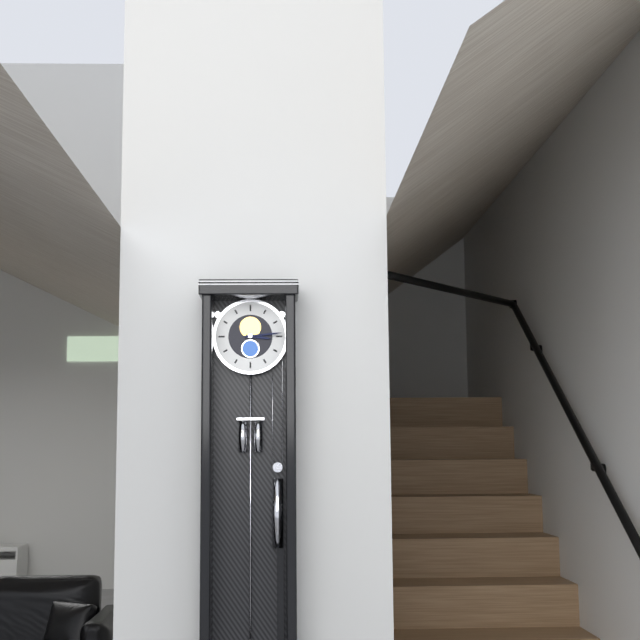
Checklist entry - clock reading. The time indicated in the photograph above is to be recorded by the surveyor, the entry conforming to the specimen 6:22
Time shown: 3:14
